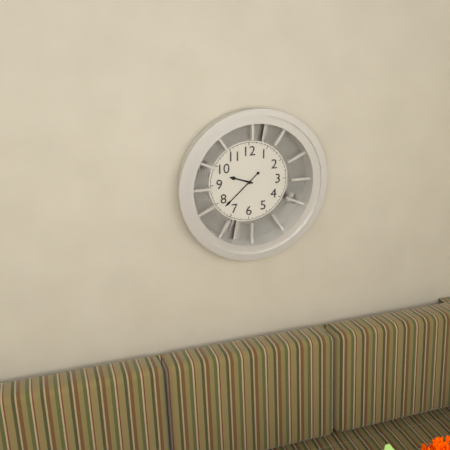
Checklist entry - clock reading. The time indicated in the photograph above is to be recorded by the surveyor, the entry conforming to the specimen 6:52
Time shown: 9:38
